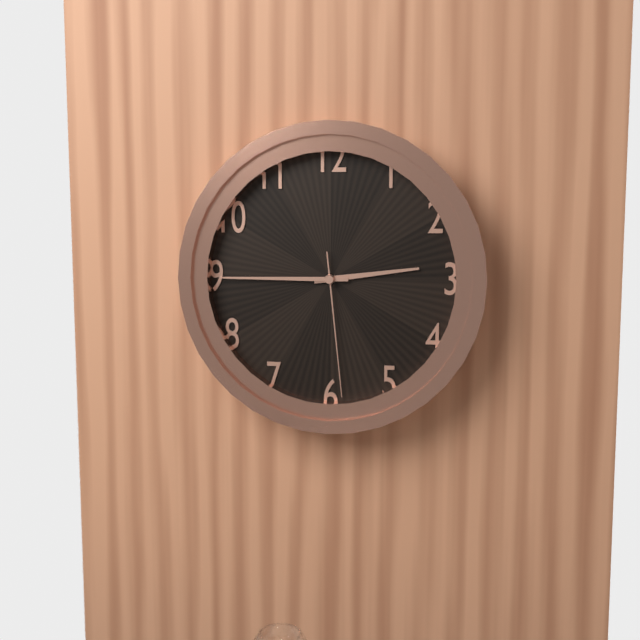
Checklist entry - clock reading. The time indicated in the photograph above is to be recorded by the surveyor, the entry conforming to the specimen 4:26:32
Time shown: 2:45:29
